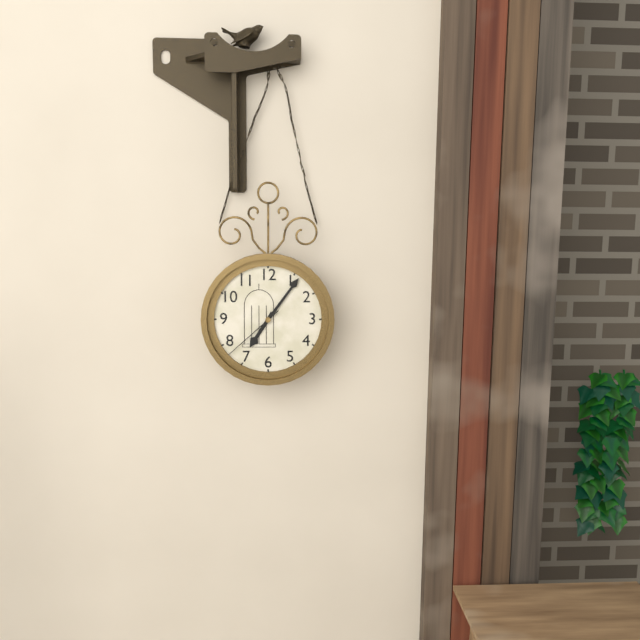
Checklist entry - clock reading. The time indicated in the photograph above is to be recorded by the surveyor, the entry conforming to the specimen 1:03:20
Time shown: 7:06:38
